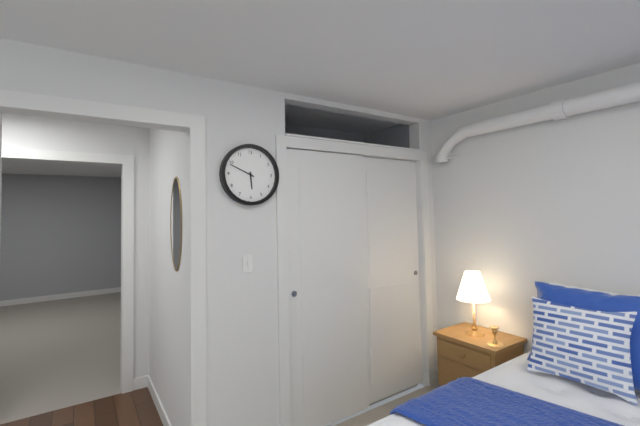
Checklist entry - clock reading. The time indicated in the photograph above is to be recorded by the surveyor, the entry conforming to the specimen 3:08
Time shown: 5:49
